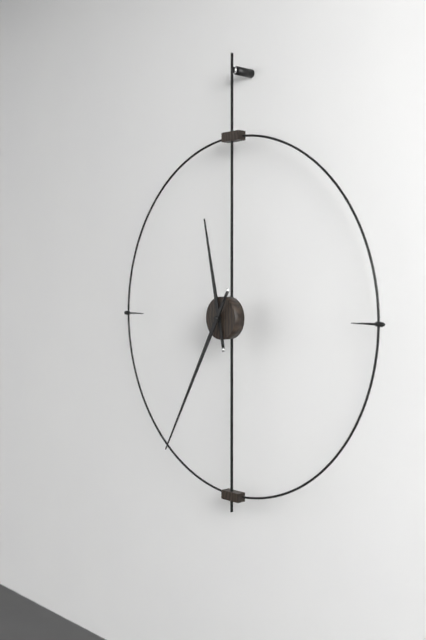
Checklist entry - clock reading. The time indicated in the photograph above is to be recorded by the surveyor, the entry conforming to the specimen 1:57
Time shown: 11:35
